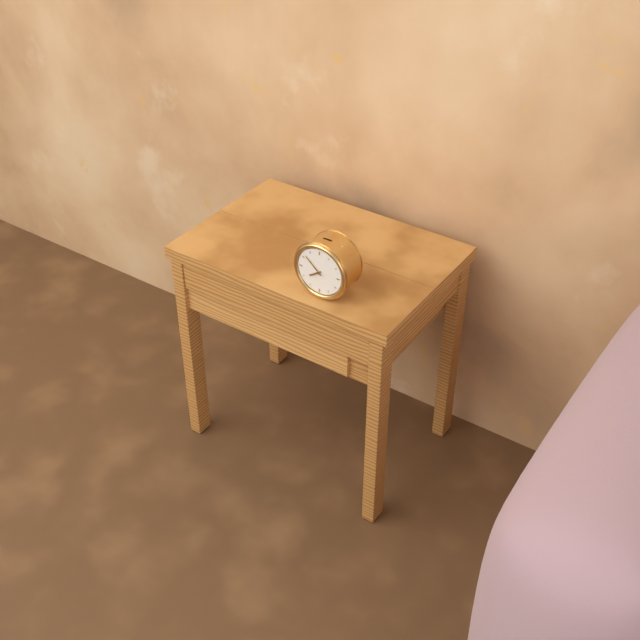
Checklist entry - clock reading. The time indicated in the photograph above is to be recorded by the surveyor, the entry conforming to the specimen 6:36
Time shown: 7:52
